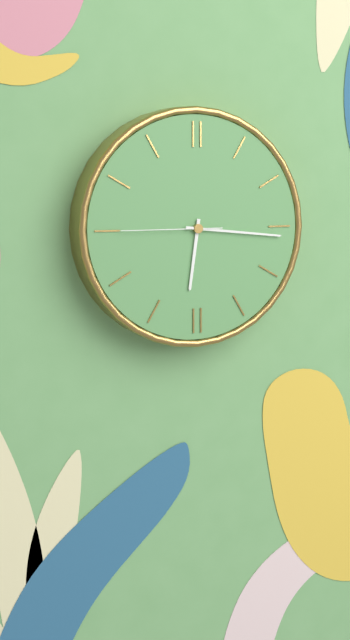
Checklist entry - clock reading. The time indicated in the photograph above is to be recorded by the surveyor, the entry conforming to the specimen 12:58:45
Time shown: 6:16:45
